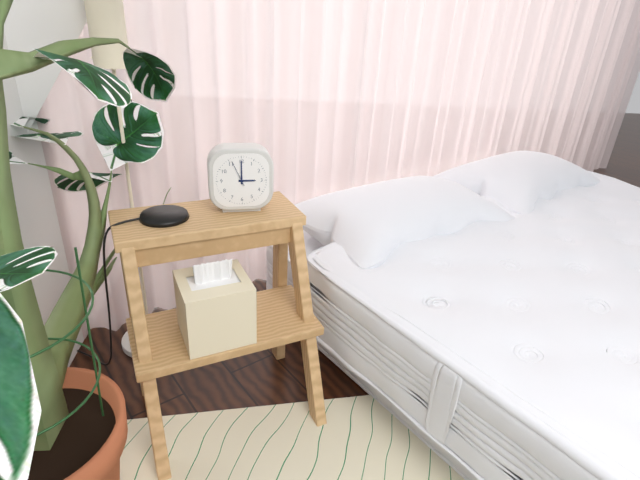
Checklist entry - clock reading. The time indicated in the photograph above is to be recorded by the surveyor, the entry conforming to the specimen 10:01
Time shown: 3:00
